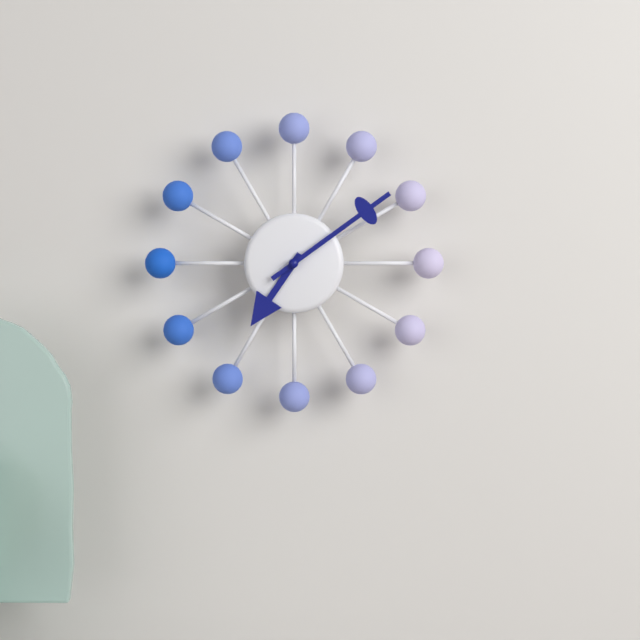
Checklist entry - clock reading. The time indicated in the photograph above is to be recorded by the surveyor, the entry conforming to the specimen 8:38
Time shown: 7:09
